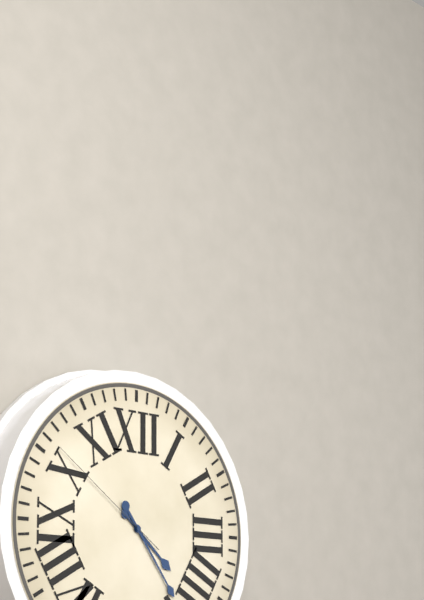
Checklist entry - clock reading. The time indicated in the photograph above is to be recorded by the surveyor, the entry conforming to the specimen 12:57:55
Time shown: 4:24:51
